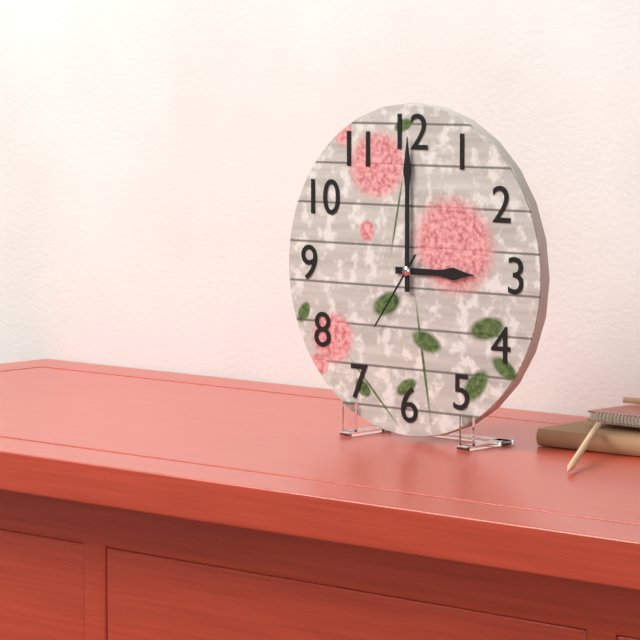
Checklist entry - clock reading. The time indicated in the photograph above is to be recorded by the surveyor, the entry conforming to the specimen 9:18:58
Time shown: 3:00:36
